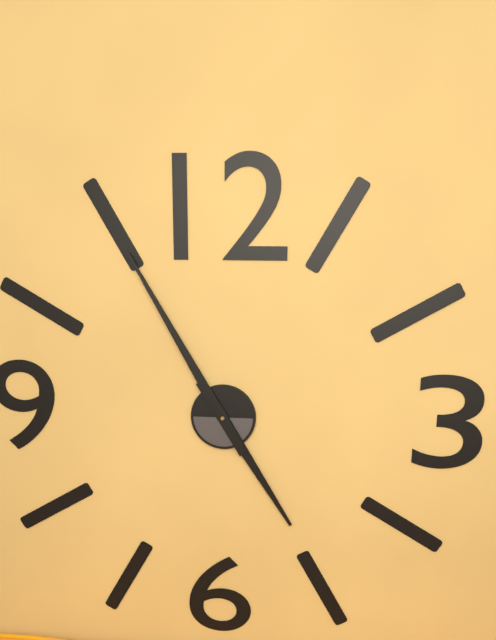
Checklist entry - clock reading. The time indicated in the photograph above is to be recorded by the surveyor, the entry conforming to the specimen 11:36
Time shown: 4:55
